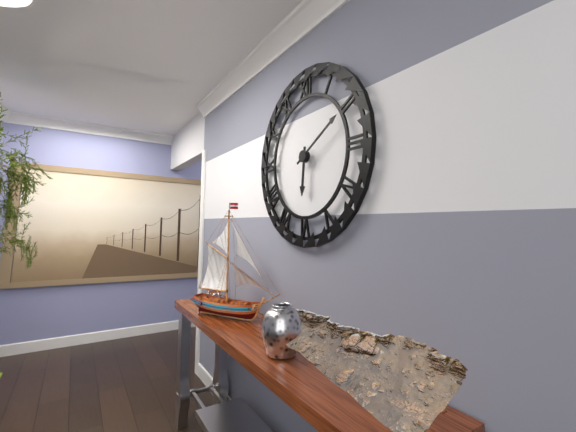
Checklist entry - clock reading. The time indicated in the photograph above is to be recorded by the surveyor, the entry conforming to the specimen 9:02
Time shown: 6:10
